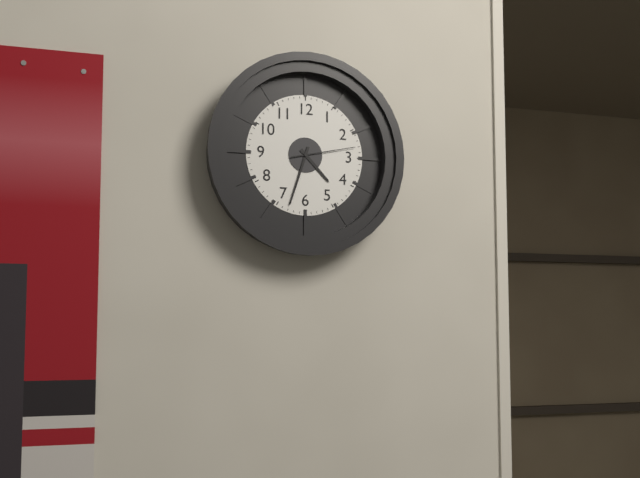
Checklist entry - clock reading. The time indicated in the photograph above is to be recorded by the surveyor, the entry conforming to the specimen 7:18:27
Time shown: 4:33:13
